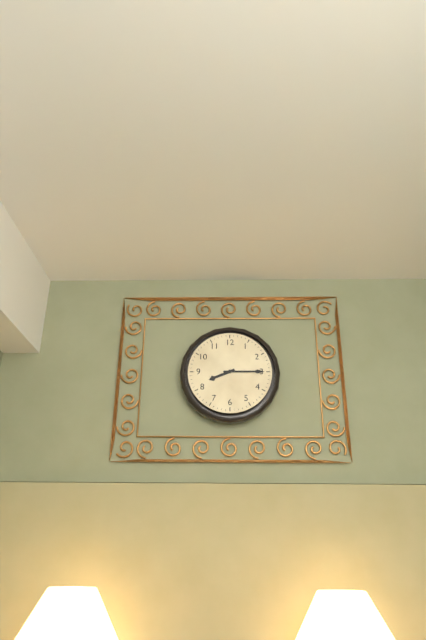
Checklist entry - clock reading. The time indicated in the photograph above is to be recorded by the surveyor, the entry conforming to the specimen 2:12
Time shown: 8:15
